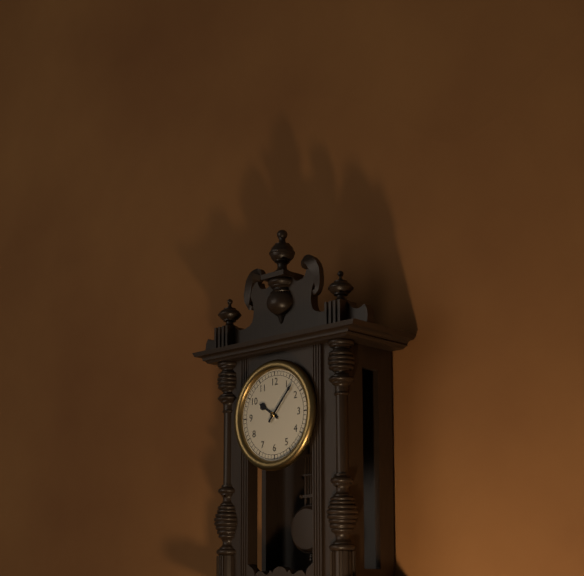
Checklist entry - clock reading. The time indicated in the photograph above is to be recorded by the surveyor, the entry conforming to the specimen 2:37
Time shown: 10:07
